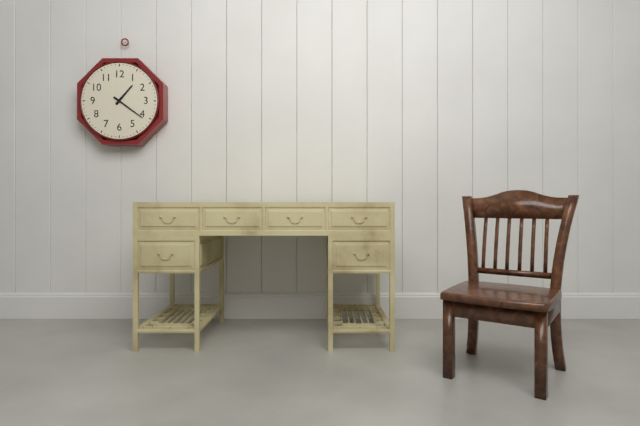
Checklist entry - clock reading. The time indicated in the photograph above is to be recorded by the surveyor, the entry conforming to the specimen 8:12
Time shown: 1:21
